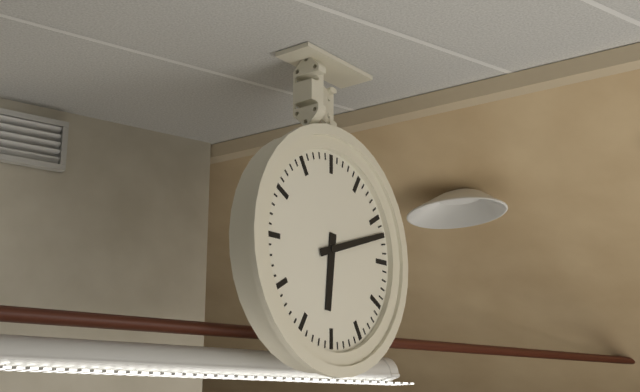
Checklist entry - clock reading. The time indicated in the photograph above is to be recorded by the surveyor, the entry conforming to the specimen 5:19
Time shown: 6:12
